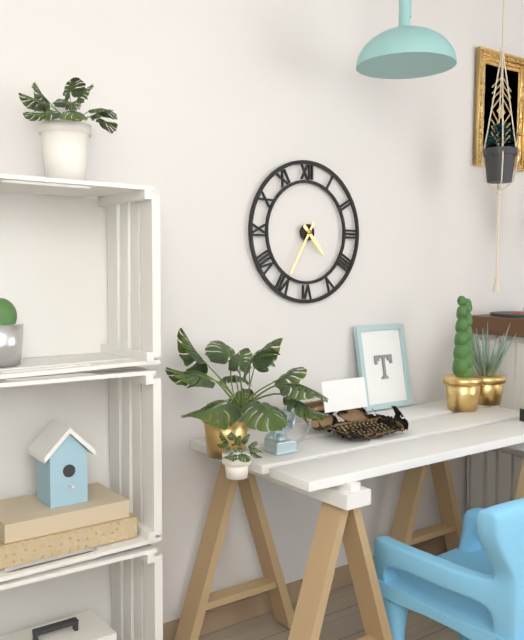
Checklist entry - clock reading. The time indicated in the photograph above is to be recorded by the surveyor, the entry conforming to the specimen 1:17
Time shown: 4:35
